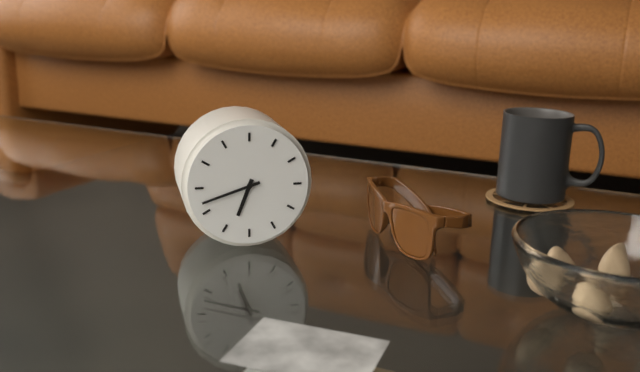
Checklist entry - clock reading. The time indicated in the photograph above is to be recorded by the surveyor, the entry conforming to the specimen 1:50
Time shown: 6:42
